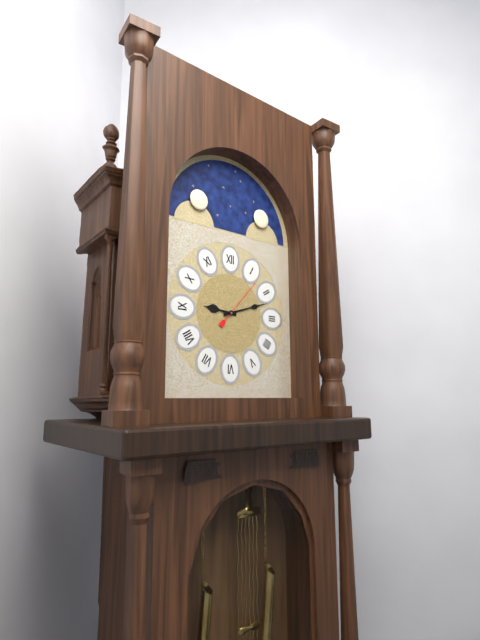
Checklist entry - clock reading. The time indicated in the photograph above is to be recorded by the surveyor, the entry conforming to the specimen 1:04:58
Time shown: 9:12:07
